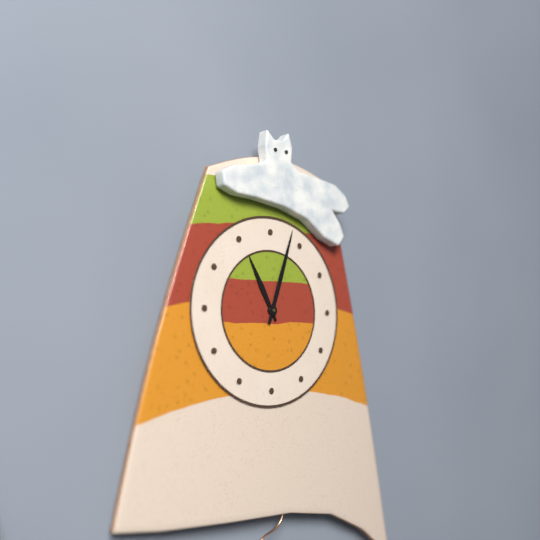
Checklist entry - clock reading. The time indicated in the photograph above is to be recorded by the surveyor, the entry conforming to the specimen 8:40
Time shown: 11:03
